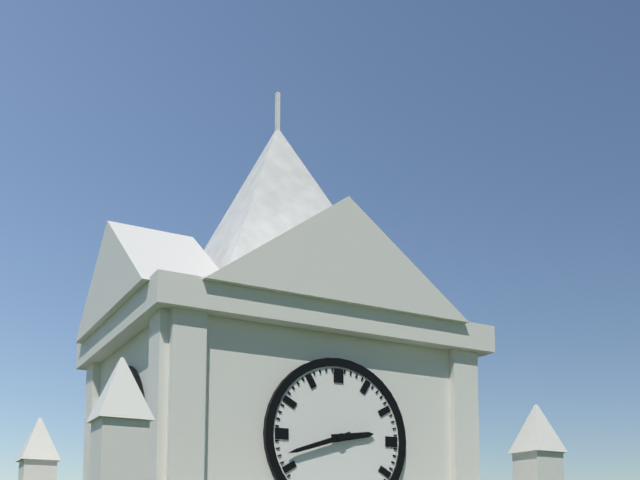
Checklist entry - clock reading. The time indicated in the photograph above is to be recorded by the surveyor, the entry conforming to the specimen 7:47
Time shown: 2:42
